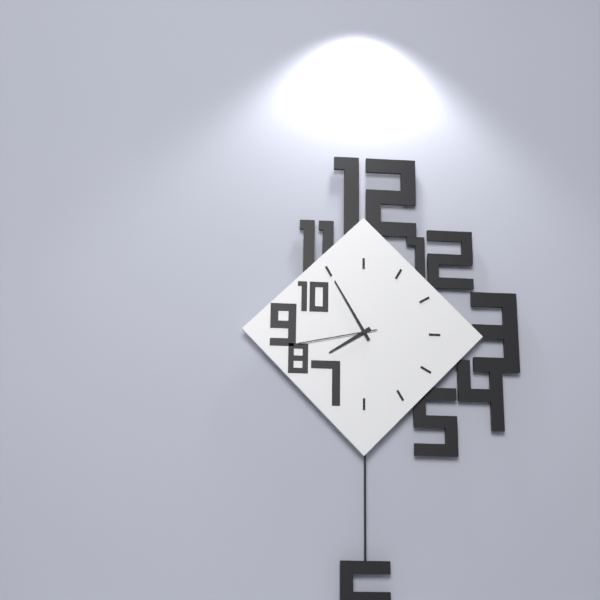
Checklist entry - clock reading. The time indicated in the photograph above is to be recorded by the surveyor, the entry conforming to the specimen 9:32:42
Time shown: 7:55:43
